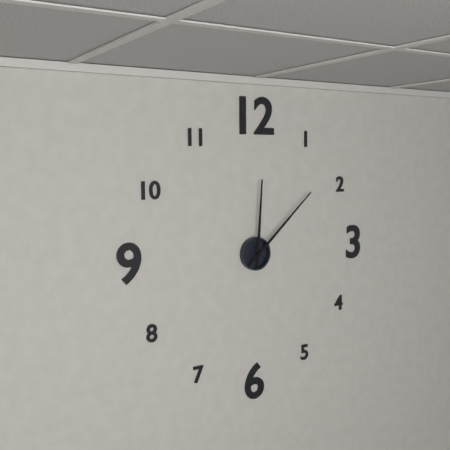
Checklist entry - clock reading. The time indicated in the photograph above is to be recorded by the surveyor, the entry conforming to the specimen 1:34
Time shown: 12:08
